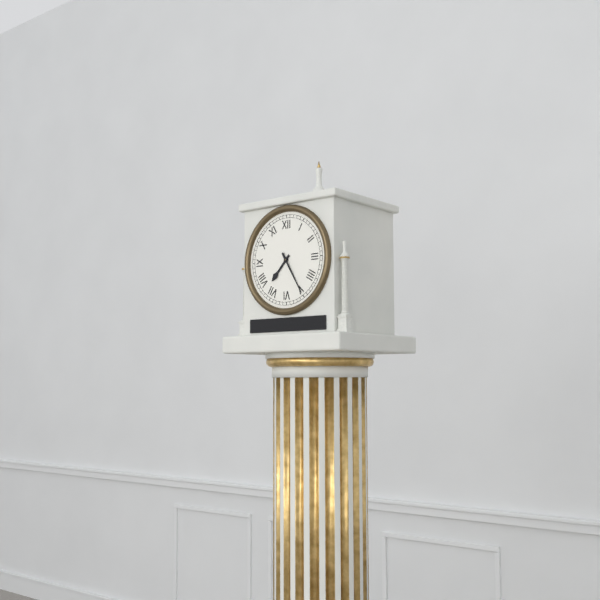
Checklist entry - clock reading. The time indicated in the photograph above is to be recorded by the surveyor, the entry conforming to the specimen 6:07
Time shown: 7:25
